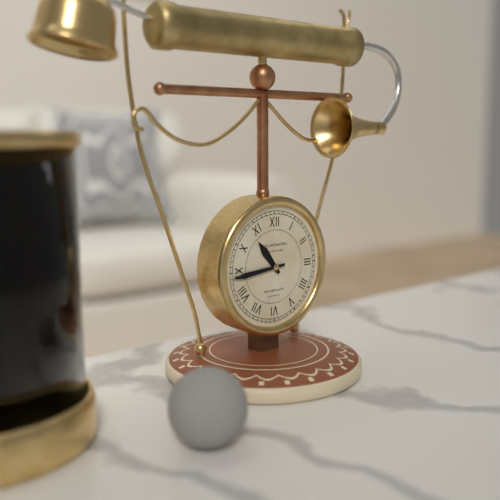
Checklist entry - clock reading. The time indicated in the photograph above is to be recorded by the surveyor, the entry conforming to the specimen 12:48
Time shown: 10:44
